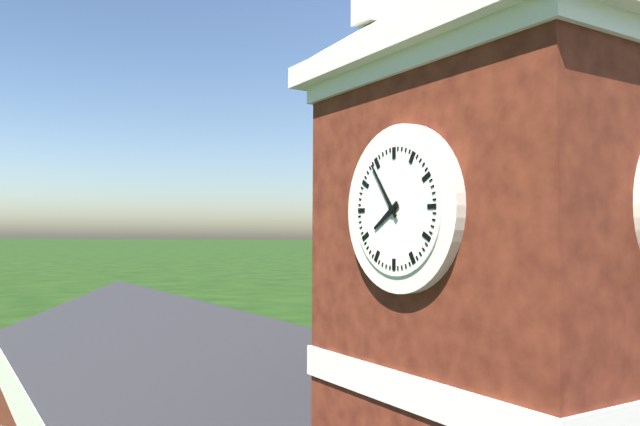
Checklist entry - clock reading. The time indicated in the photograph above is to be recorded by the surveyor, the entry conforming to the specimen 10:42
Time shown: 7:54
